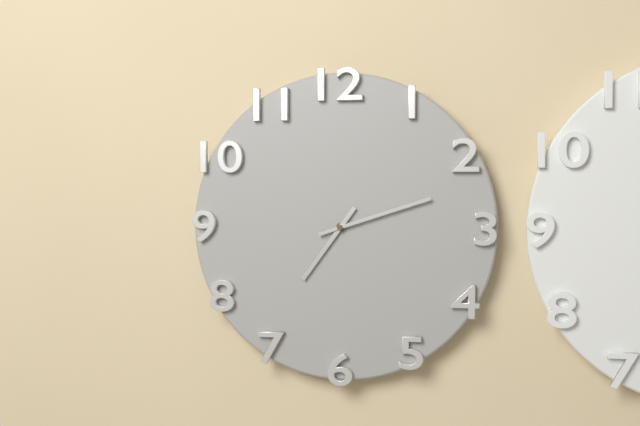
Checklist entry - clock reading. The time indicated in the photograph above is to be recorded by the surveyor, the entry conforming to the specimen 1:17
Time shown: 7:12
